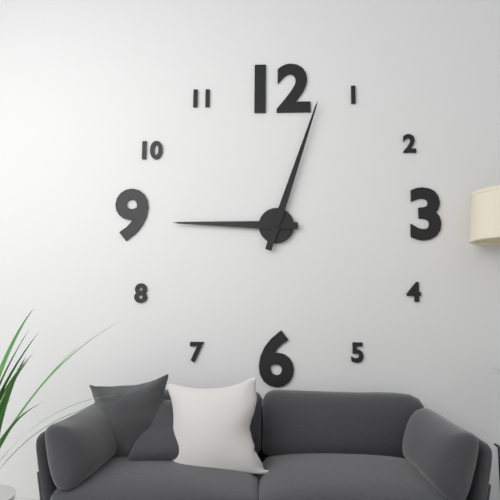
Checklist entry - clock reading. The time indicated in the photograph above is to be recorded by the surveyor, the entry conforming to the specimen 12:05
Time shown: 9:03
